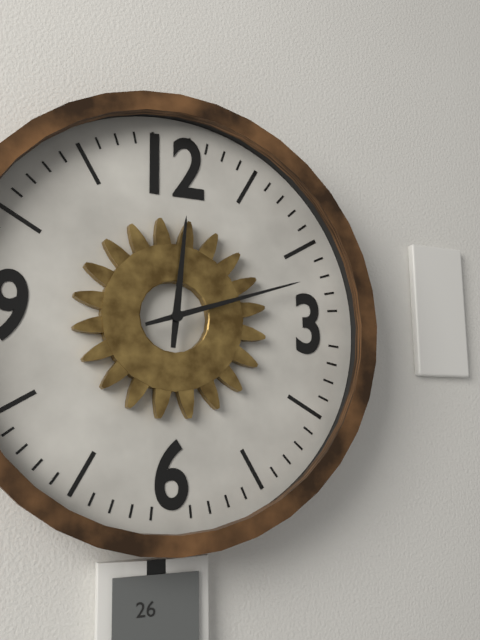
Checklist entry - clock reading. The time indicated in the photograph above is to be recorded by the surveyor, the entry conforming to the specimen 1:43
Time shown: 12:12
